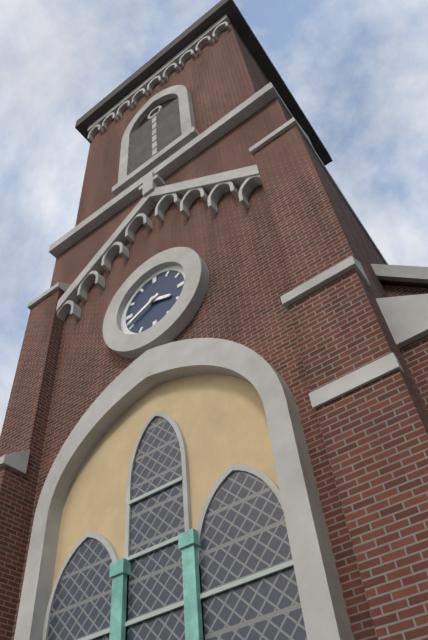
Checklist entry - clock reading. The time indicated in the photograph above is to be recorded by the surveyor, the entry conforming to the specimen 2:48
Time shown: 3:41
